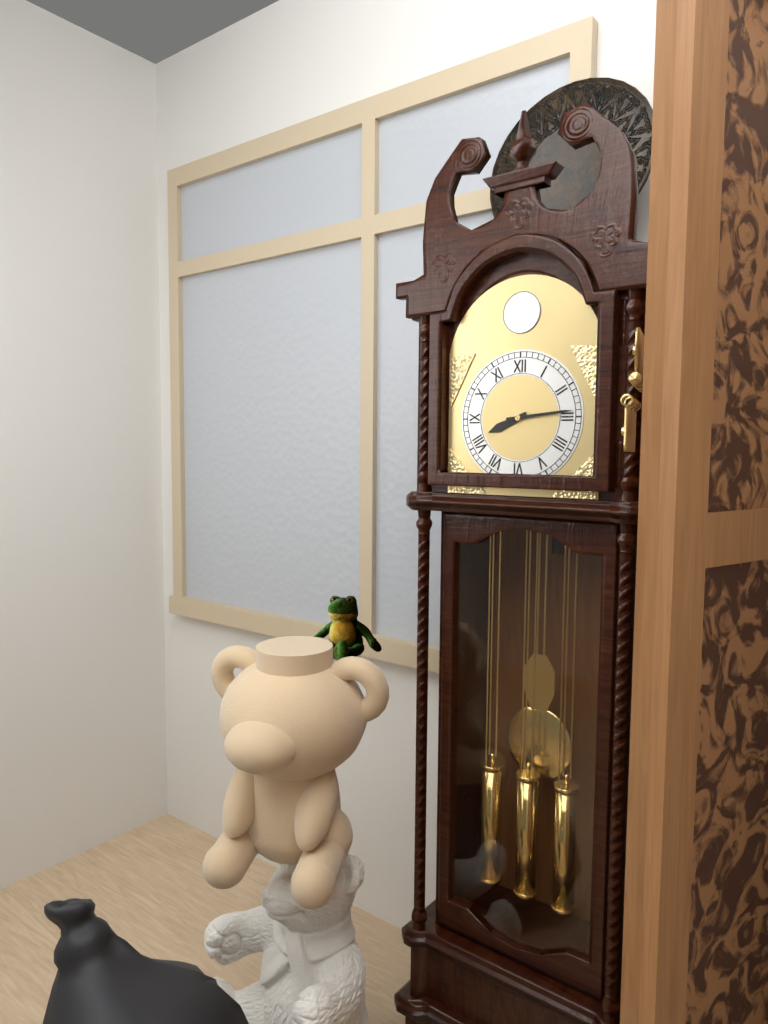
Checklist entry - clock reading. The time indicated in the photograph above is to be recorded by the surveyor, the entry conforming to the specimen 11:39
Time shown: 8:14
